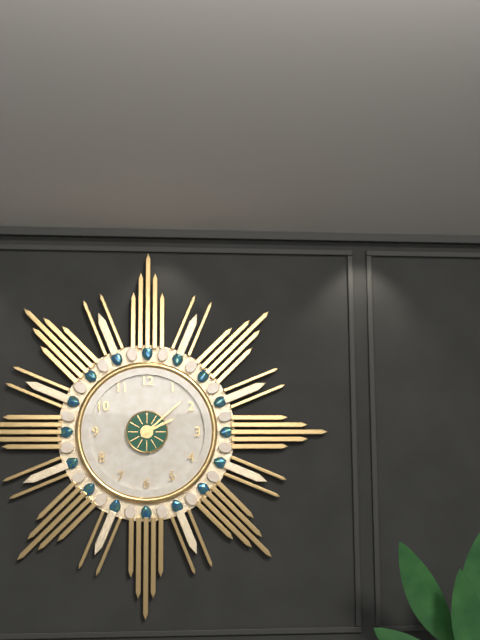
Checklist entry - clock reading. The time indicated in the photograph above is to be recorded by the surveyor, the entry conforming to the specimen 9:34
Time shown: 2:08
